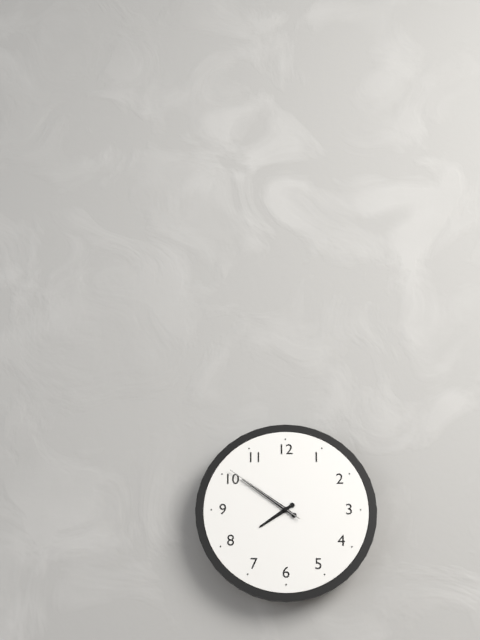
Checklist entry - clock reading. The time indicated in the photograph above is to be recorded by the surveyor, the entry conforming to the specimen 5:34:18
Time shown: 7:51:51
